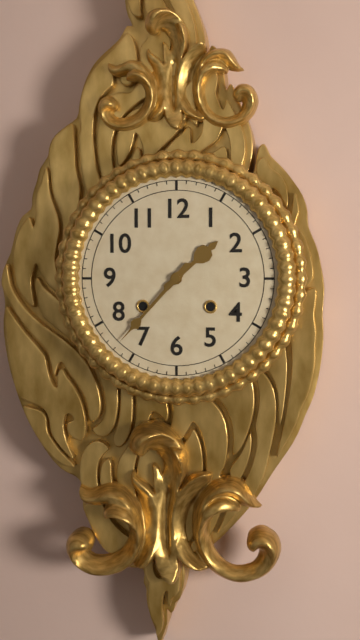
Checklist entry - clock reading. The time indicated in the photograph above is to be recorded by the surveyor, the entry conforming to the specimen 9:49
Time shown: 1:37
